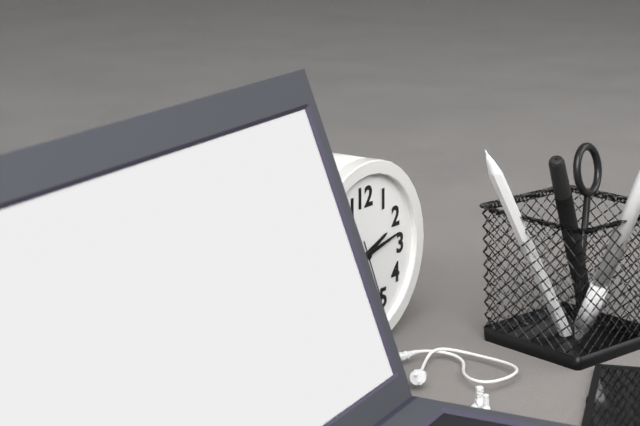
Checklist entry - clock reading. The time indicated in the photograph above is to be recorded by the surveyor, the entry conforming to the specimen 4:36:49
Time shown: 2:13:26
